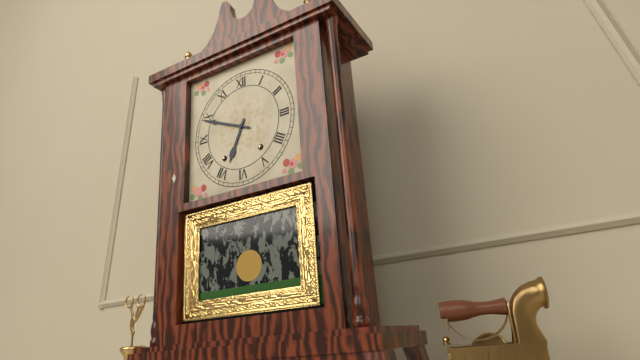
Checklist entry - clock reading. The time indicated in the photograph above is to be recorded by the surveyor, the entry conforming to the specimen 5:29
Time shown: 6:49
